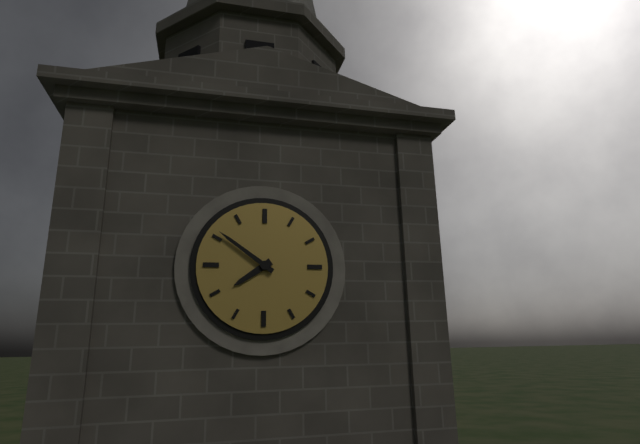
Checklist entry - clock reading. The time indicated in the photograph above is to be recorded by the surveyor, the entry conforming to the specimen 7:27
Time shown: 7:51
